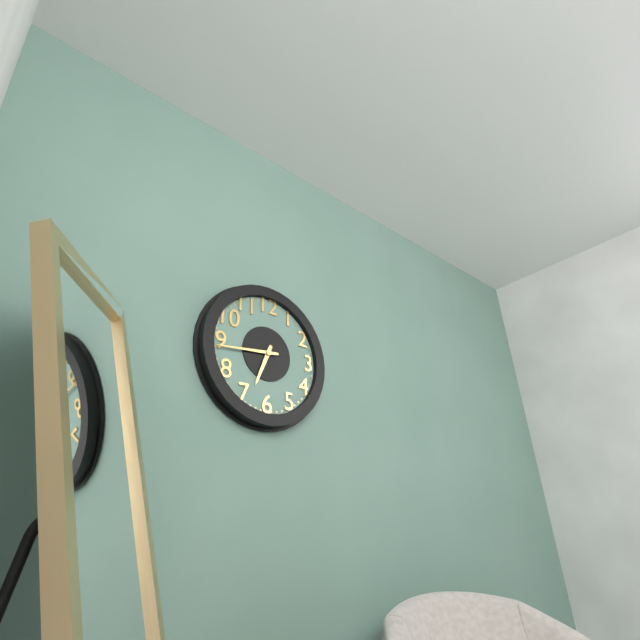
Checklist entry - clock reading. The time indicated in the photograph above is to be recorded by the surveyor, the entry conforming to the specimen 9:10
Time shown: 6:44
